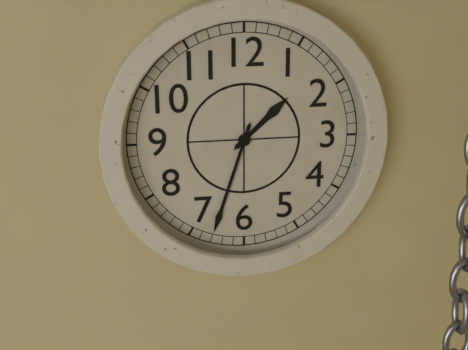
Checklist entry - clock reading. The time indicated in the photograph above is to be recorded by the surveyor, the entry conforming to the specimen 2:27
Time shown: 1:33
